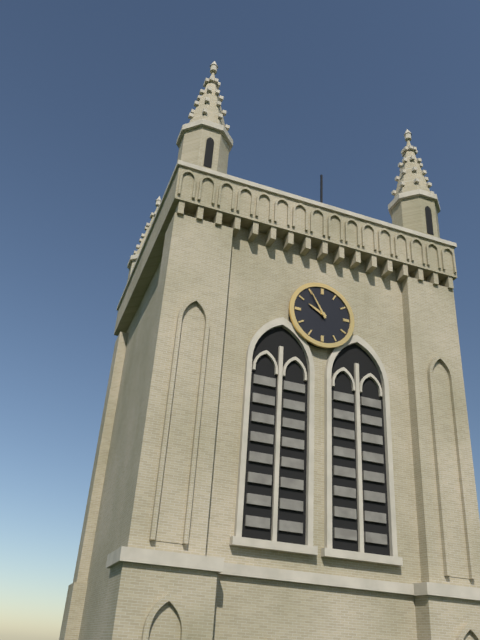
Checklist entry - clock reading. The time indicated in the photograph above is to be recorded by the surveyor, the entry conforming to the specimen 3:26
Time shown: 9:55
